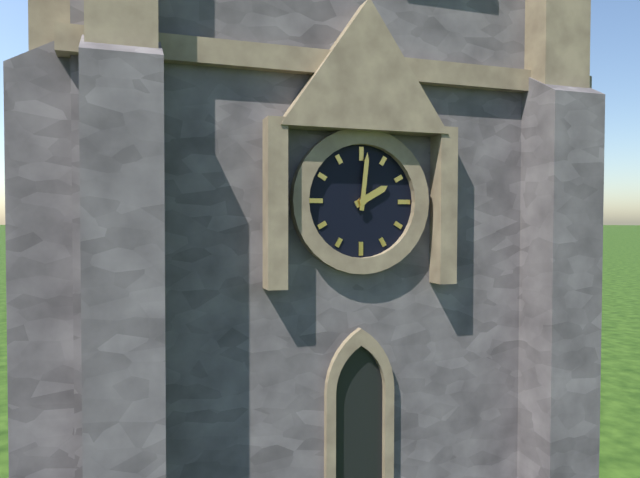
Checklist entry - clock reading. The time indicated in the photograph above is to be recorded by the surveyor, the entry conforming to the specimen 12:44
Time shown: 2:01
